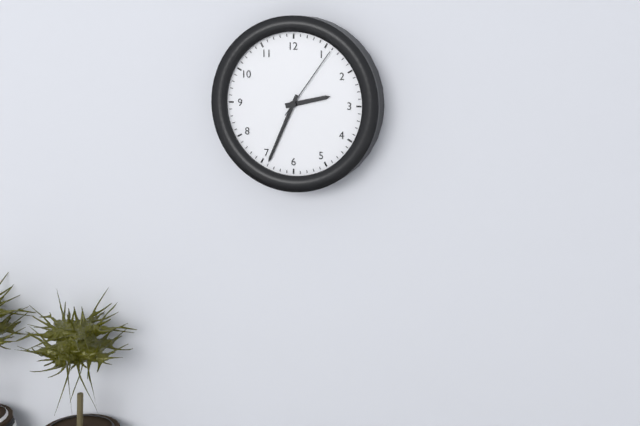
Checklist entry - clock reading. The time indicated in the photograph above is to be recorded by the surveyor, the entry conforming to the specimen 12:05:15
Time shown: 2:34:06
